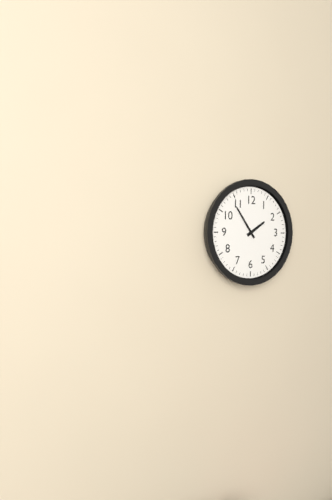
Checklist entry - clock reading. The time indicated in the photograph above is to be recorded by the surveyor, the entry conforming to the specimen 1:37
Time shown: 1:54
